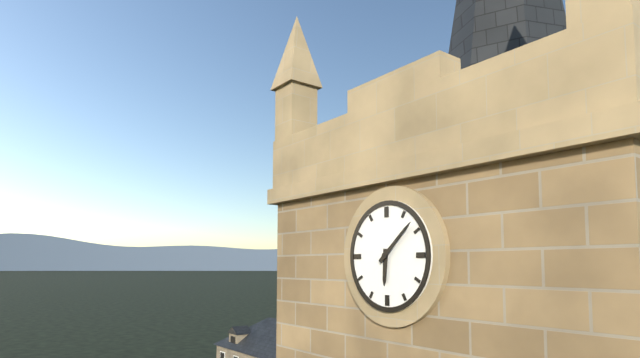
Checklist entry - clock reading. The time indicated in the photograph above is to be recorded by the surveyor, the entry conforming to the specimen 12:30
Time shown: 6:08
